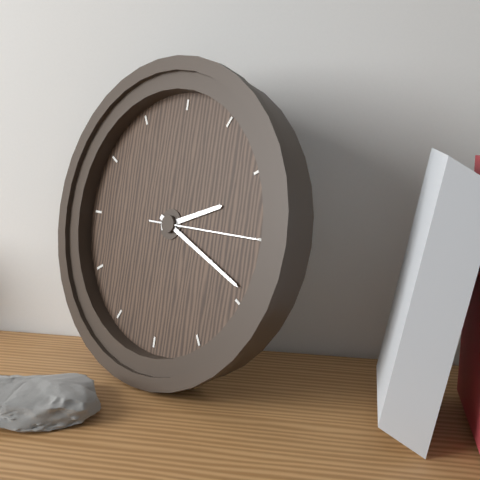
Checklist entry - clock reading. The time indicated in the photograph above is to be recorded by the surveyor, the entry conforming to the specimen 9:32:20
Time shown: 2:19:15
